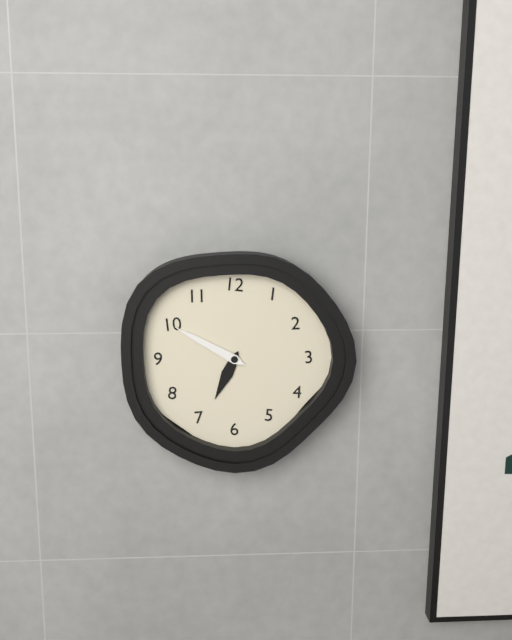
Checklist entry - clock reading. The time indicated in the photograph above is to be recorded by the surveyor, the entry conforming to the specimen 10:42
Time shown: 6:50
